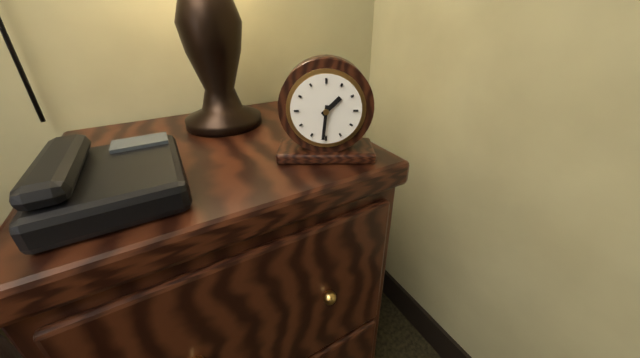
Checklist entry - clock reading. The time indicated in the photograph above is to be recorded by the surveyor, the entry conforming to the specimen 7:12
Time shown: 1:31
